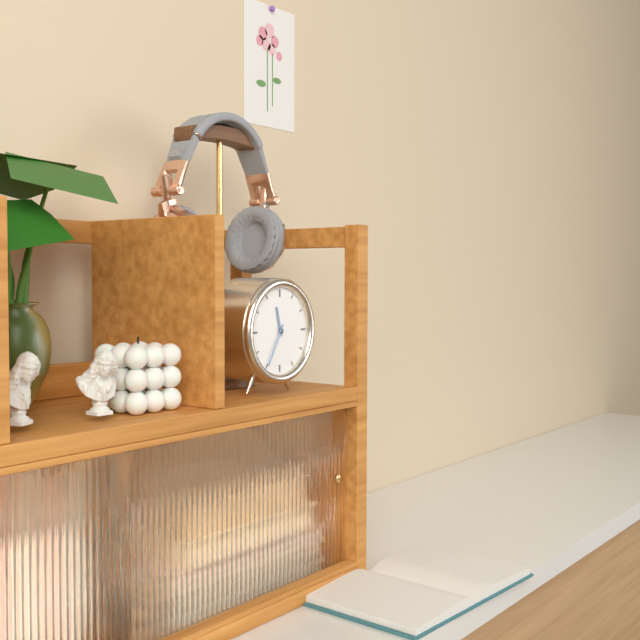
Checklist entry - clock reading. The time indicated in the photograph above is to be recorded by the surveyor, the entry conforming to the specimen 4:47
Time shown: 11:35
